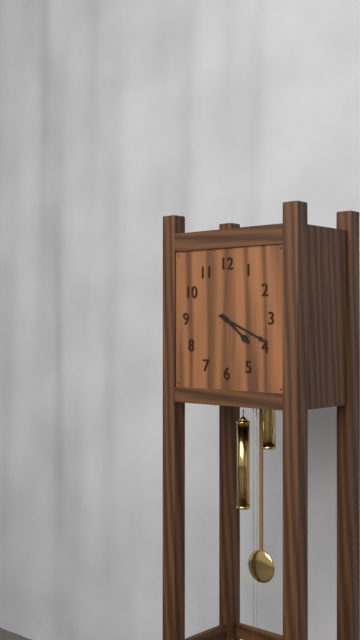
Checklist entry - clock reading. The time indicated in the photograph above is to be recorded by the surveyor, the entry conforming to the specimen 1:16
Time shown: 4:19
